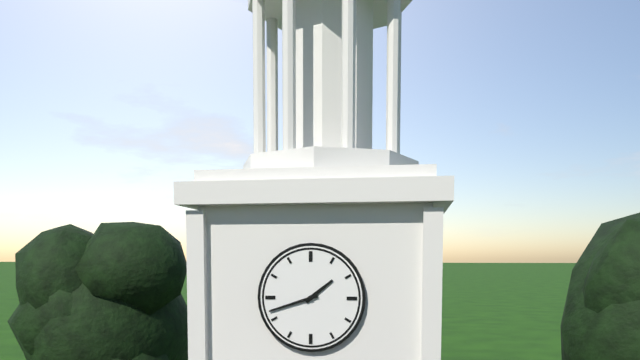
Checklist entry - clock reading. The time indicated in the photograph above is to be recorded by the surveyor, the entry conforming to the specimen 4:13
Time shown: 1:42
